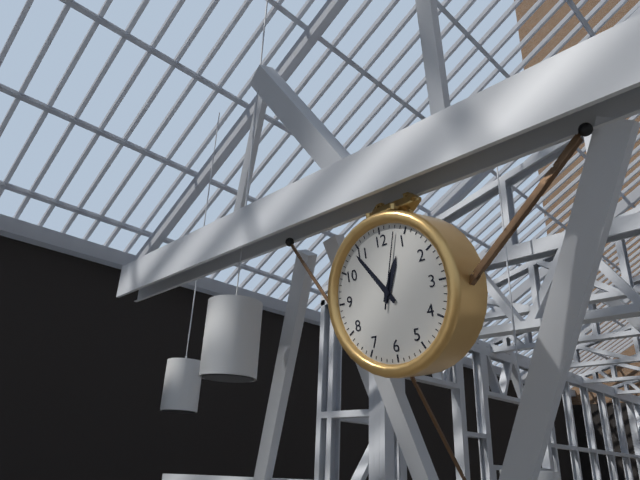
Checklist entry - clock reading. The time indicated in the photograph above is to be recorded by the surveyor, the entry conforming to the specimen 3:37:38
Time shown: 12:54:03
